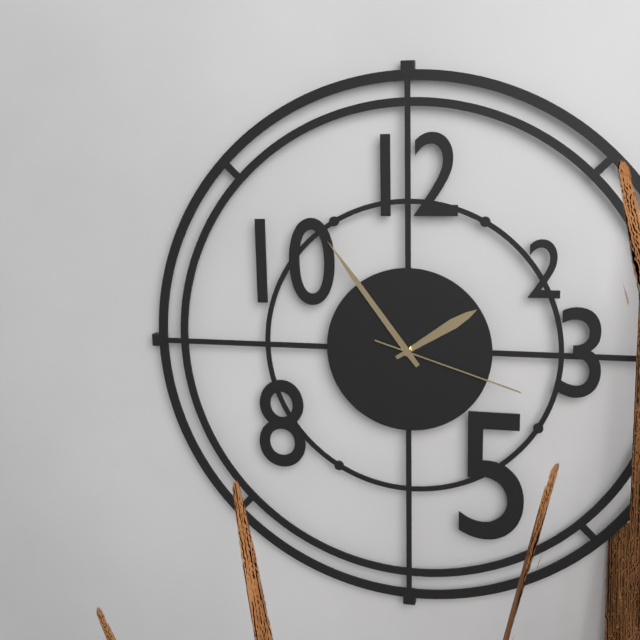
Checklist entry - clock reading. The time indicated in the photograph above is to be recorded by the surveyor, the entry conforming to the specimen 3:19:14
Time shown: 1:54:18
